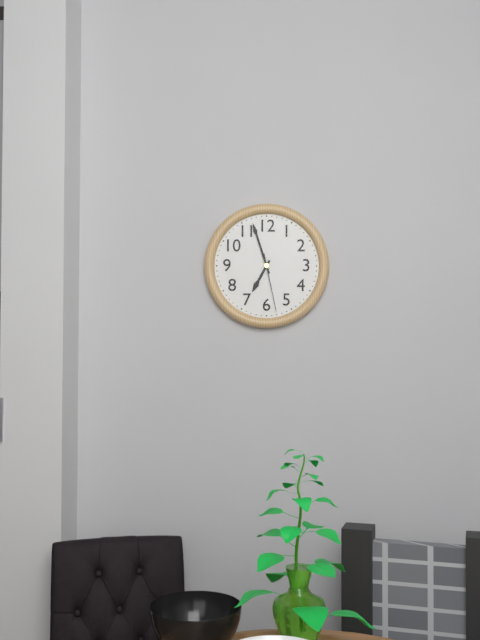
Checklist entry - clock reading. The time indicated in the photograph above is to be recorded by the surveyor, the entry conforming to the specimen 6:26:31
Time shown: 6:57:28
